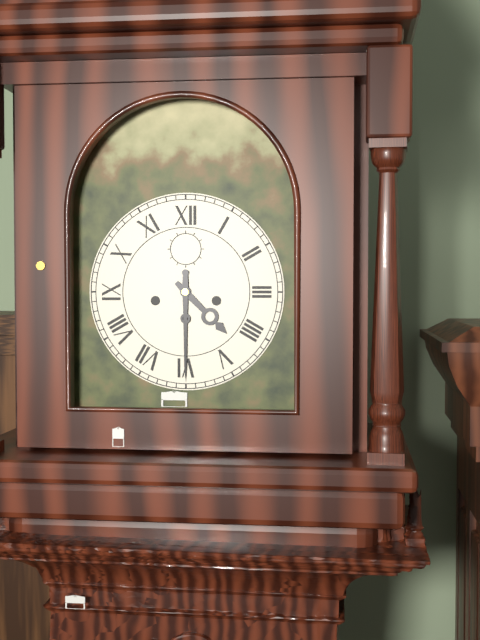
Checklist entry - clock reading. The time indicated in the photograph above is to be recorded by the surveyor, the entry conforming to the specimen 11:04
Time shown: 4:30
